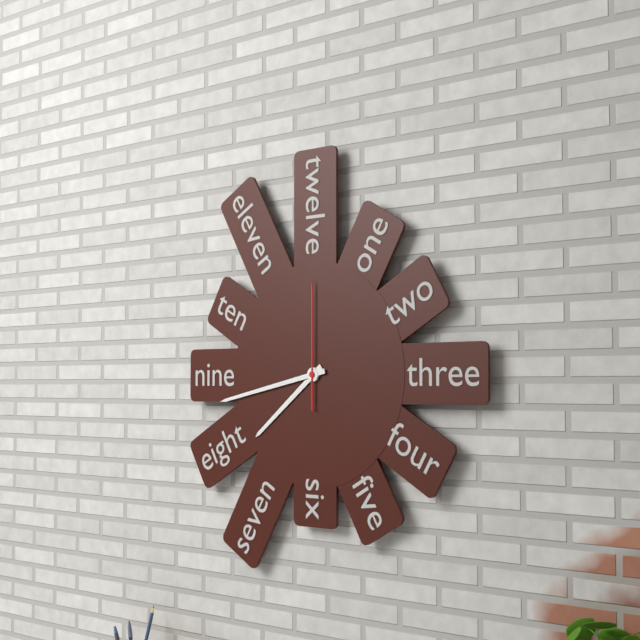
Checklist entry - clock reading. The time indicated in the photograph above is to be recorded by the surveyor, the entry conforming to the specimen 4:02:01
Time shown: 7:43:00
